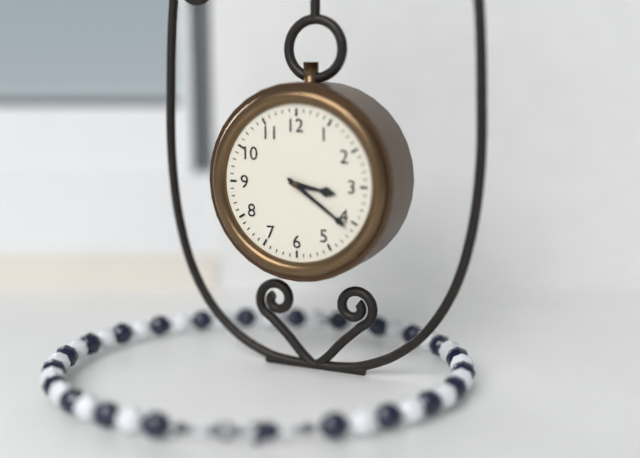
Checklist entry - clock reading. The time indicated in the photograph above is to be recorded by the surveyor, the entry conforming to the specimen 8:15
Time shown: 3:21
